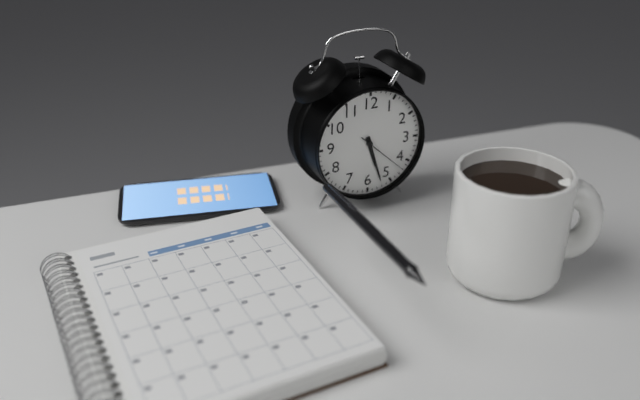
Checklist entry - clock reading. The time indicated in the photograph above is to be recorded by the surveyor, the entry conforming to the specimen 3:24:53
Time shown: 5:27:22
